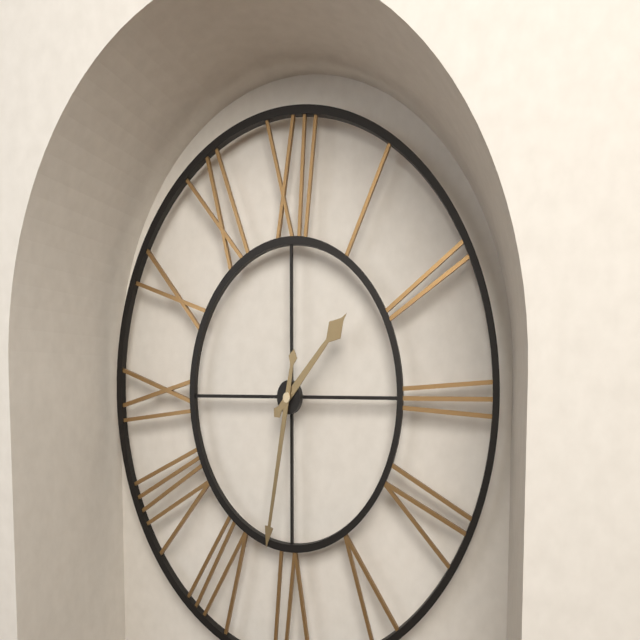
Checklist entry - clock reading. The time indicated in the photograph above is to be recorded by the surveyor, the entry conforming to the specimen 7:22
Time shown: 1:32
